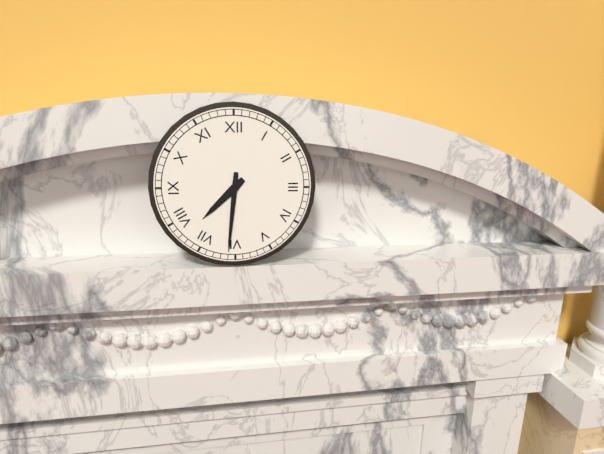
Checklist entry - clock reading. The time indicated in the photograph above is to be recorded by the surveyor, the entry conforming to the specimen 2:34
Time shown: 7:31
